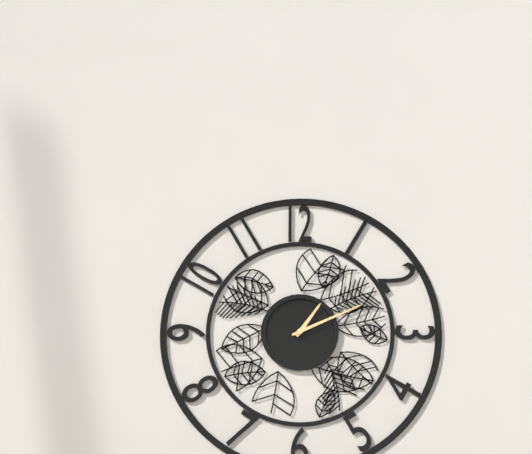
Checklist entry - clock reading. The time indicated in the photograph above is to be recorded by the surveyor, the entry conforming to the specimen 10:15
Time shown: 1:11
